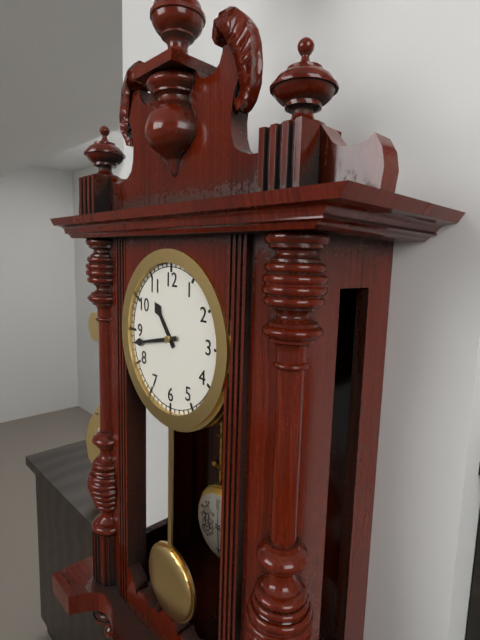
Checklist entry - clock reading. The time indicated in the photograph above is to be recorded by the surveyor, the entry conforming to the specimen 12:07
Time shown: 10:43
